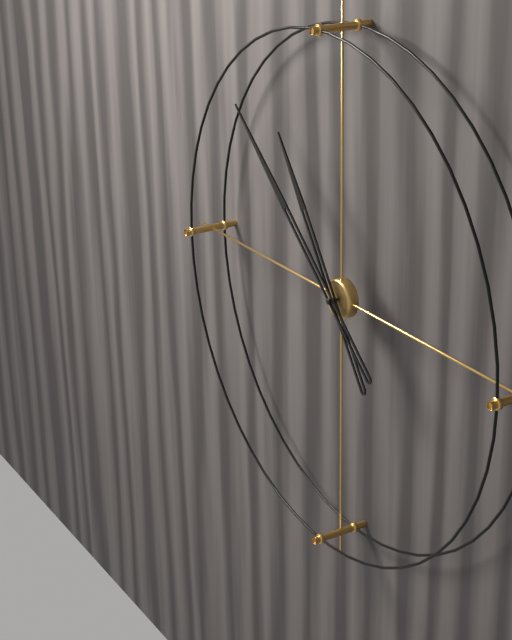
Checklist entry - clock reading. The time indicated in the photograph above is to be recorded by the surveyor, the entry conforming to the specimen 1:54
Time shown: 10:52
